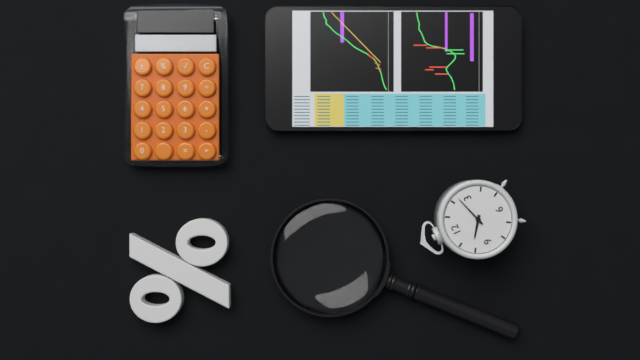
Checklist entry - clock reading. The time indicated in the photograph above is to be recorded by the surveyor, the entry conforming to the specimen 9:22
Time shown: 10:12
